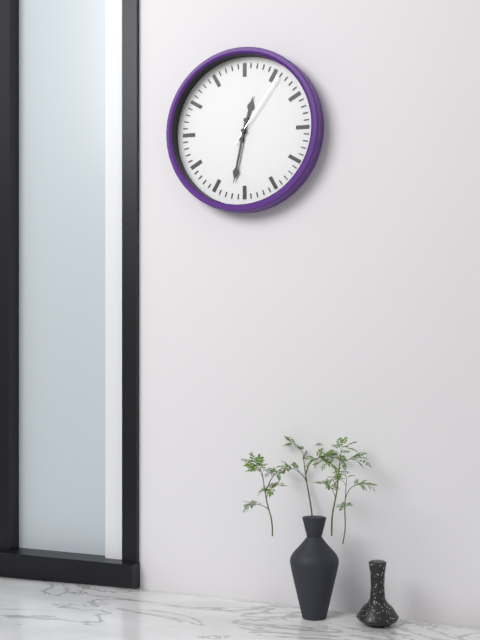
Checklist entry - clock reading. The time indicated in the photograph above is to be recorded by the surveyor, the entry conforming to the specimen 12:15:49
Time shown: 12:32:06
